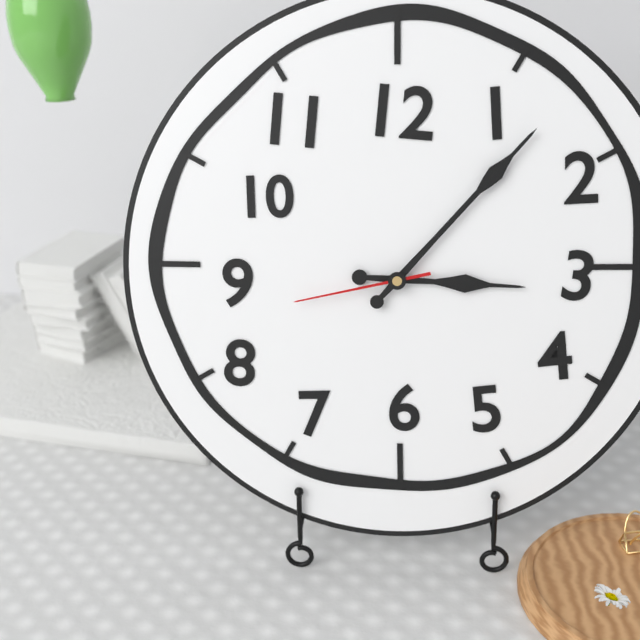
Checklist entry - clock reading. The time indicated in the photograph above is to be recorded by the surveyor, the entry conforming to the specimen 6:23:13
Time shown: 3:07:43
